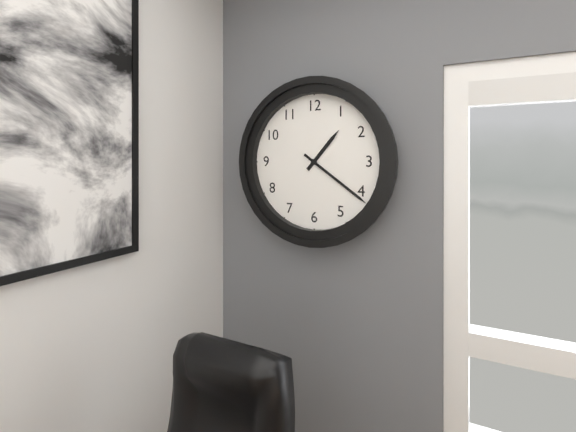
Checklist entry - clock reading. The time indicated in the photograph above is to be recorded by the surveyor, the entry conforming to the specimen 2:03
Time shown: 1:21
